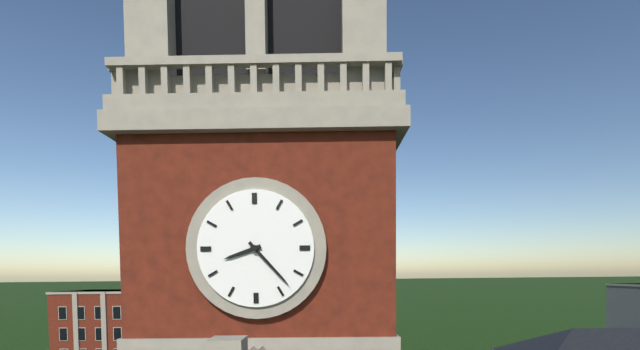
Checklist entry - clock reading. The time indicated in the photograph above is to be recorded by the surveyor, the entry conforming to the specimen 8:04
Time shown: 8:23
